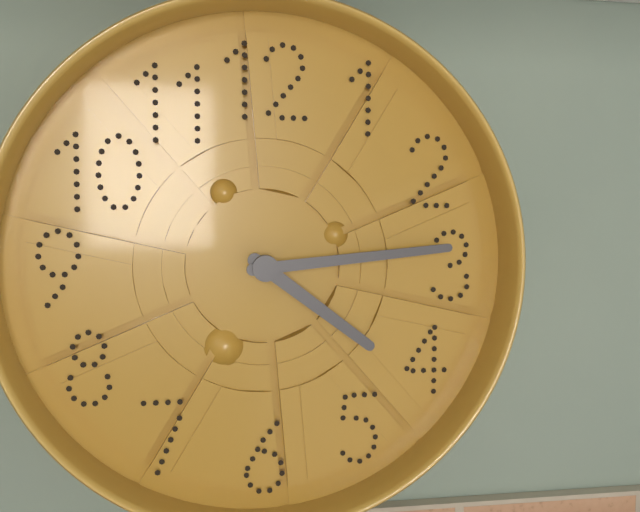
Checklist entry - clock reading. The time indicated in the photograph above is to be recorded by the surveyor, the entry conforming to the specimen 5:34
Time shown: 4:14
